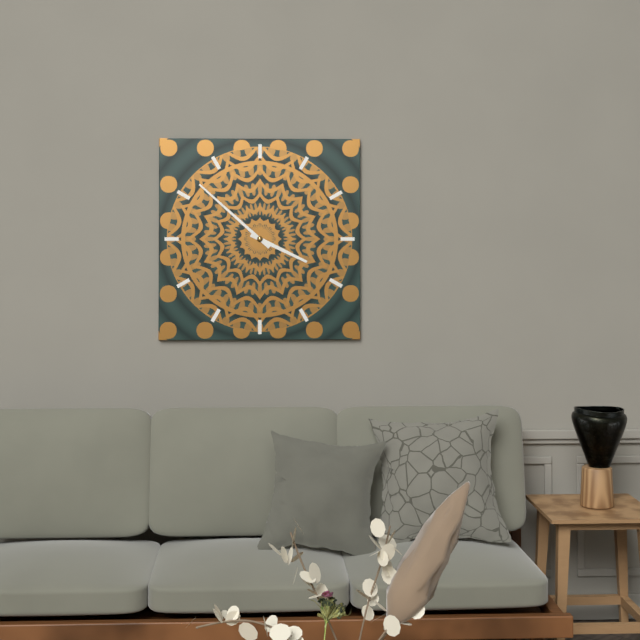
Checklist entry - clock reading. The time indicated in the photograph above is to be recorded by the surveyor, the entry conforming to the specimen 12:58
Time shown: 3:52
